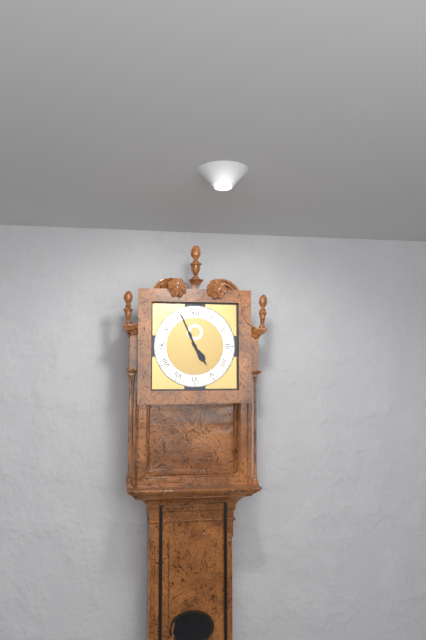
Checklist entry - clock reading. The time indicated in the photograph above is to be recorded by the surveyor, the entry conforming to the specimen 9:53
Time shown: 4:56
